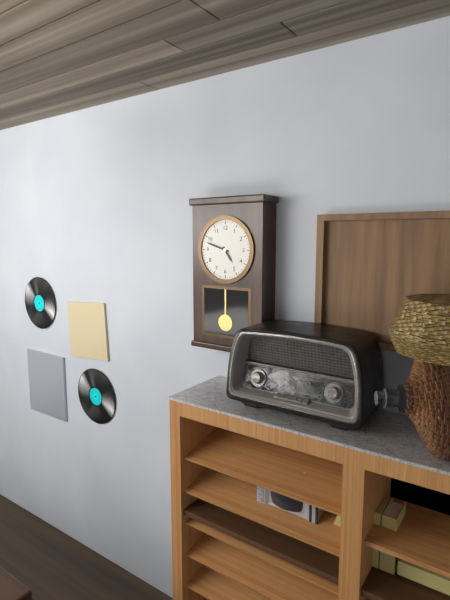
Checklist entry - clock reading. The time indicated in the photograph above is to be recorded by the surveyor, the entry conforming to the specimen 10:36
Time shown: 4:48
